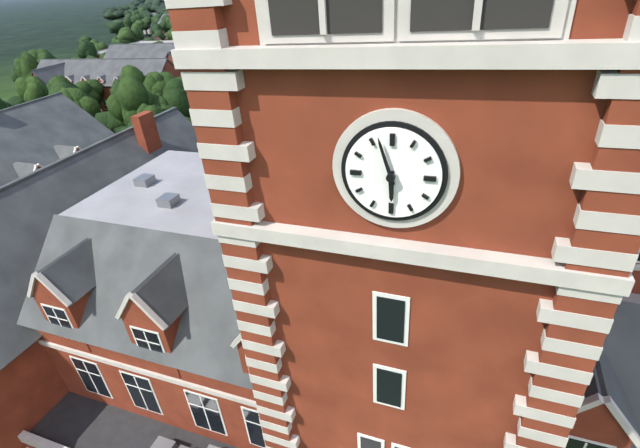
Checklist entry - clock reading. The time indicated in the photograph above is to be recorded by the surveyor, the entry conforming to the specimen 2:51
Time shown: 5:57
